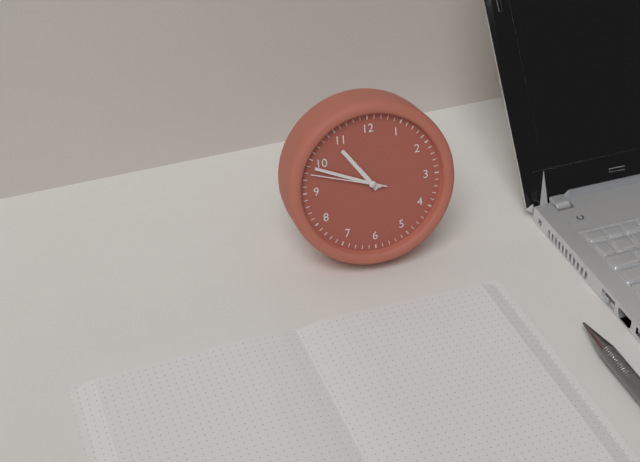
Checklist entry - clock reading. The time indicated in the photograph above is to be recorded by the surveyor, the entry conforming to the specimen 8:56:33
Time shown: 10:49:48
